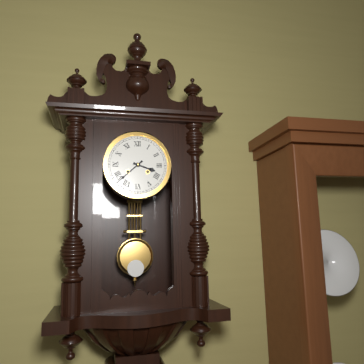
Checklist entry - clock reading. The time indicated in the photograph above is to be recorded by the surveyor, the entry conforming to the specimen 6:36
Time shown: 3:38
